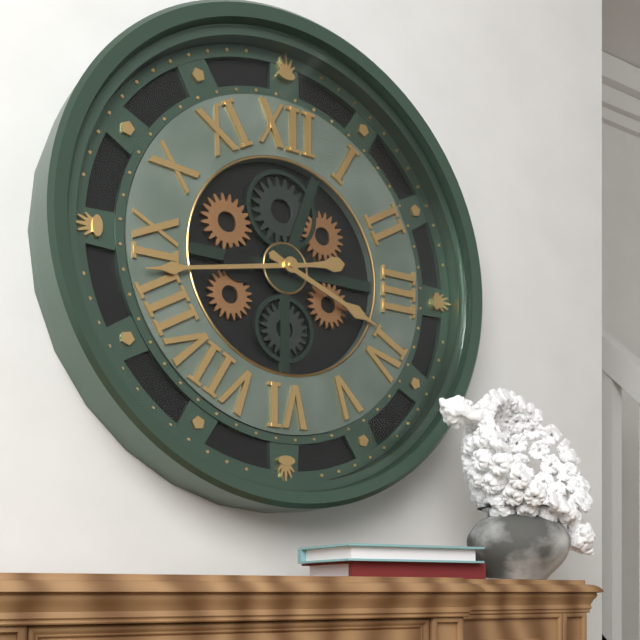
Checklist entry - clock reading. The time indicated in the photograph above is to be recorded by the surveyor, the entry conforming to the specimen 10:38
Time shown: 3:43
